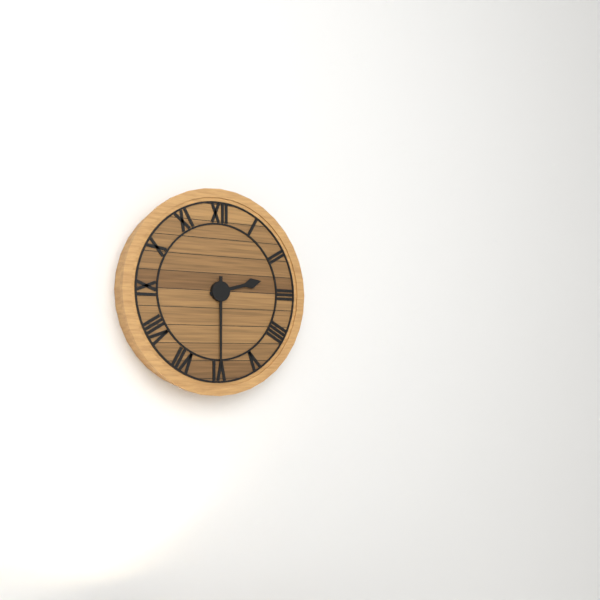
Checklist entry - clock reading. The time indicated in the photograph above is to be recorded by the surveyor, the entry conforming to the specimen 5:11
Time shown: 2:30
